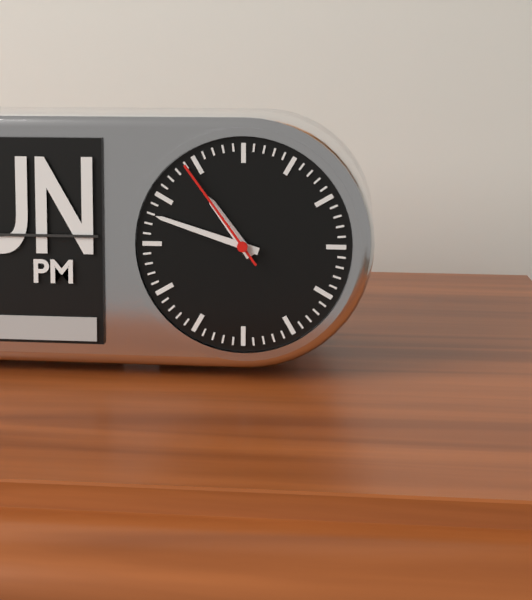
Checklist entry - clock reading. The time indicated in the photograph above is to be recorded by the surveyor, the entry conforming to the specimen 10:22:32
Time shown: 10:48:54
